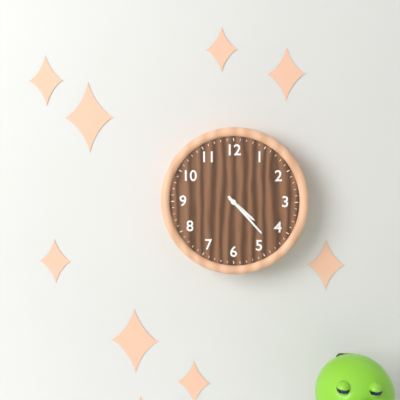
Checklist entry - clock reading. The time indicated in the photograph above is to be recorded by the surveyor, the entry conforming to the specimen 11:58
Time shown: 4:23
